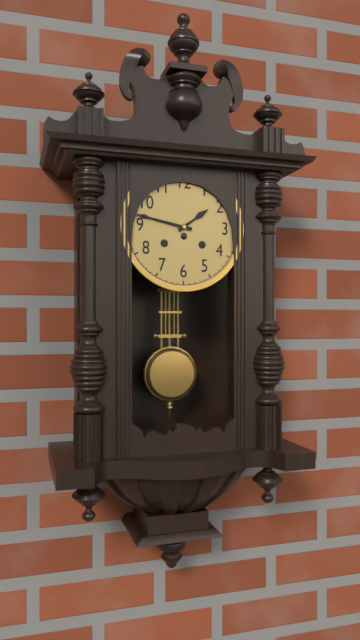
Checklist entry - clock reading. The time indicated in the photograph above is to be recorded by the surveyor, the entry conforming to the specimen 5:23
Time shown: 1:47
